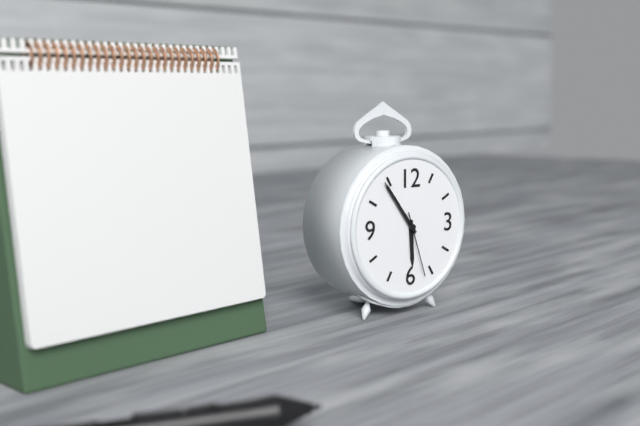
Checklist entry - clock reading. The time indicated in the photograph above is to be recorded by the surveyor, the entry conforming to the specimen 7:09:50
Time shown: 5:54:27
